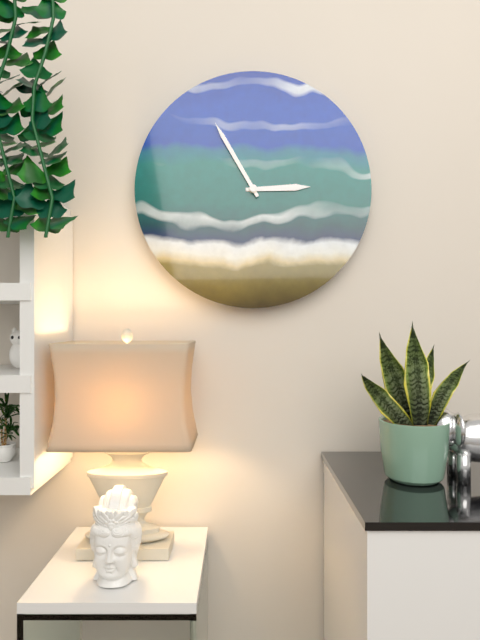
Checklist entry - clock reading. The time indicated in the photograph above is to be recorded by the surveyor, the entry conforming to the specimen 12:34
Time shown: 2:55
